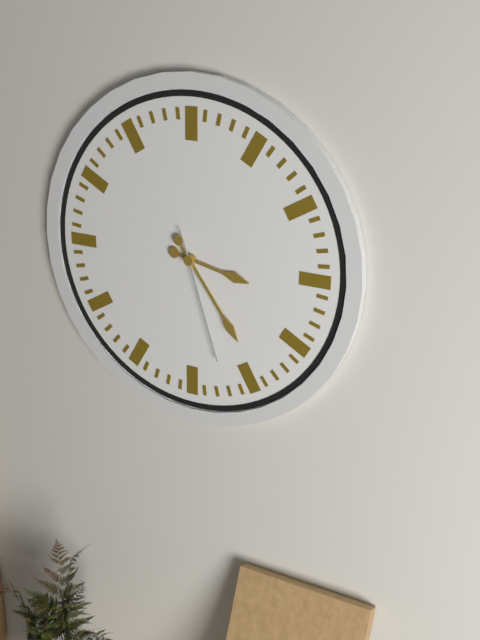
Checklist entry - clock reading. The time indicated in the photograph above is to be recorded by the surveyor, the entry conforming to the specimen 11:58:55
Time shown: 3:24:27
